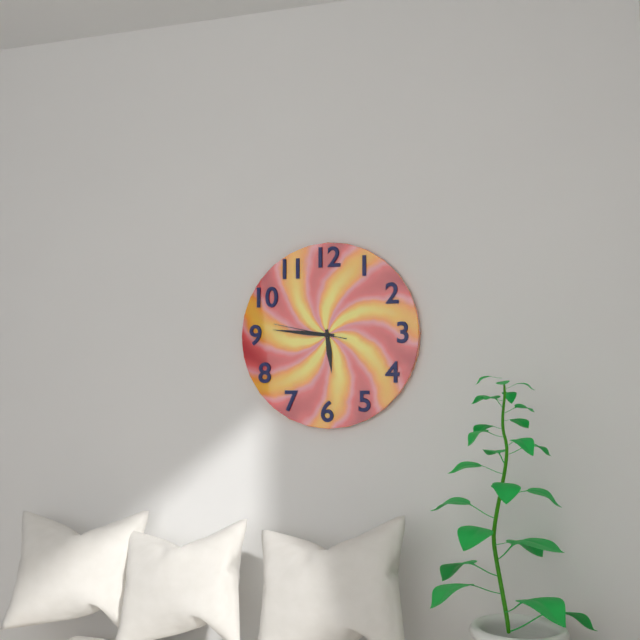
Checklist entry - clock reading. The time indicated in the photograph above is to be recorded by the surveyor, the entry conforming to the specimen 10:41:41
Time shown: 5:46:47
